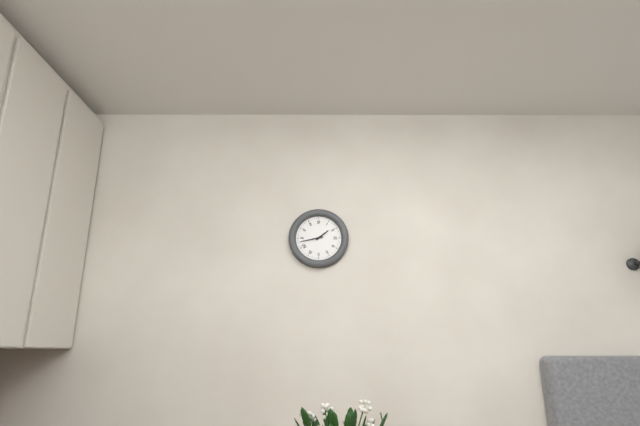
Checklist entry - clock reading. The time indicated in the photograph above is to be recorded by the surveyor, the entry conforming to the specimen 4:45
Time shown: 1:43
